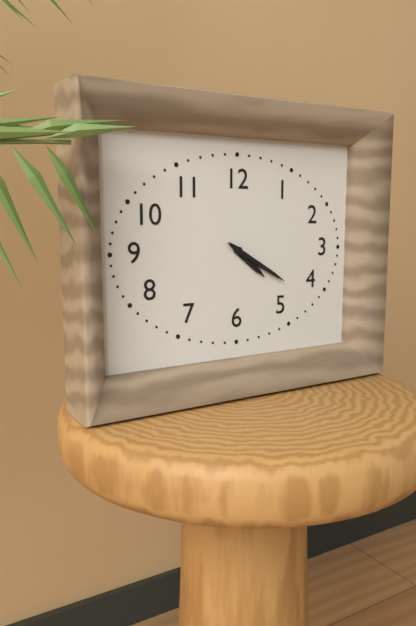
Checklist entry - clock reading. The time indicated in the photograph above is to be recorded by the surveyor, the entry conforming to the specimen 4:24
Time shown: 4:20
